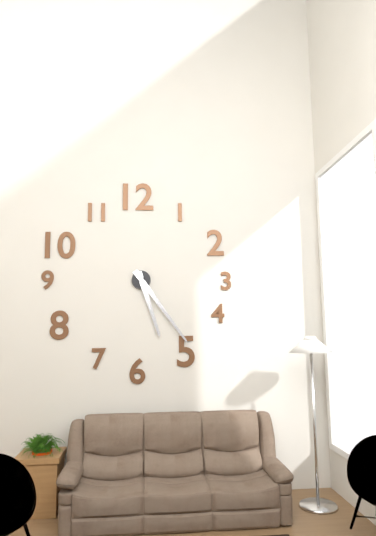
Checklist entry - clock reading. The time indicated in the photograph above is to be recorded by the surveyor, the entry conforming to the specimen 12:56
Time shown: 5:24
